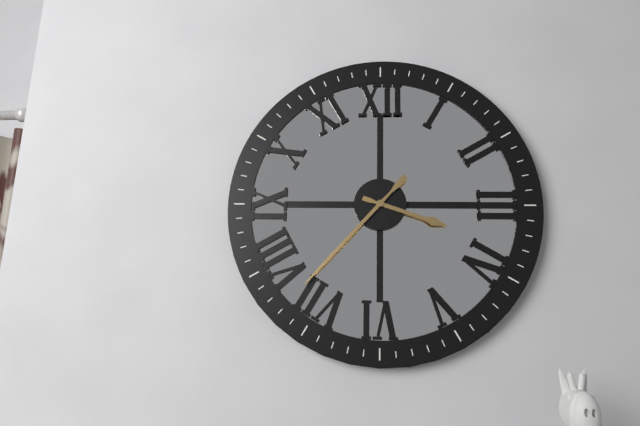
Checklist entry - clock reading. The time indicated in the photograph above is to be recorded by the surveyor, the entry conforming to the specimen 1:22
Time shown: 3:37
